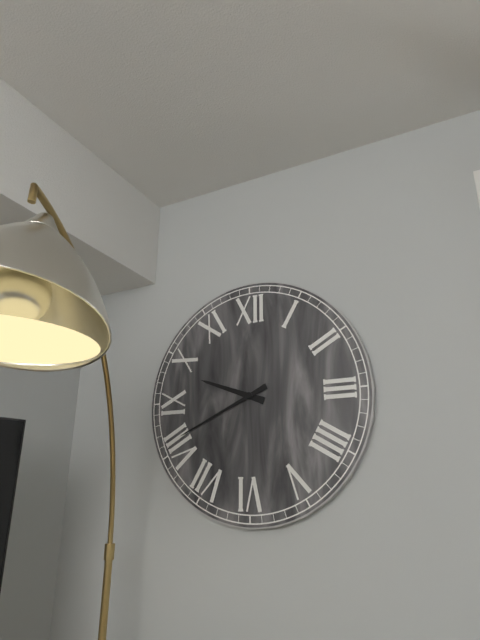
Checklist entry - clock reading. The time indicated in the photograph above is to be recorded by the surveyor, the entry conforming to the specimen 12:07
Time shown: 9:41
